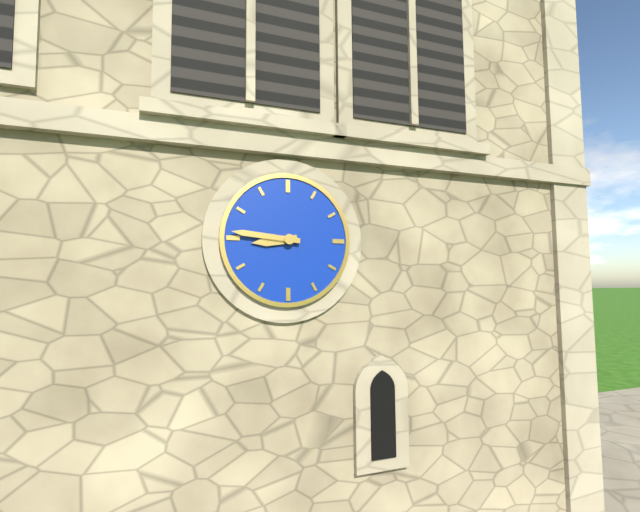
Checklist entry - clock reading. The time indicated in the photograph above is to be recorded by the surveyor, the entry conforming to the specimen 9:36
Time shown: 8:46
